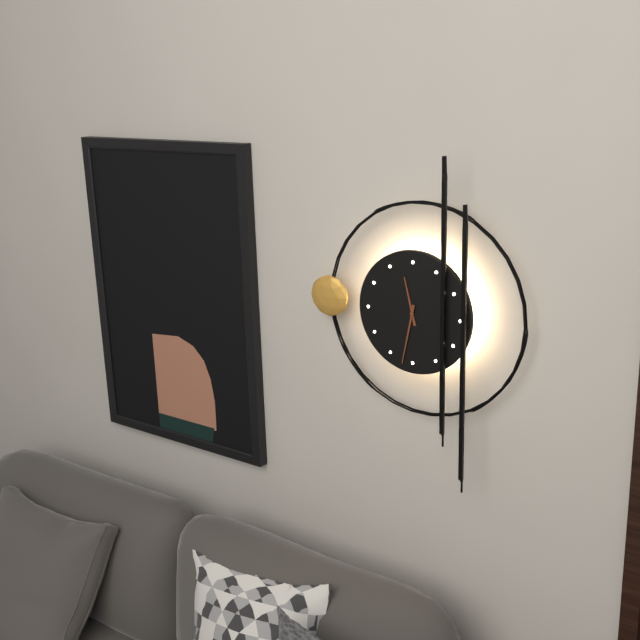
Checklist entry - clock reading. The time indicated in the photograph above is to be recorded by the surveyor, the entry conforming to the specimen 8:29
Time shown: 11:32
